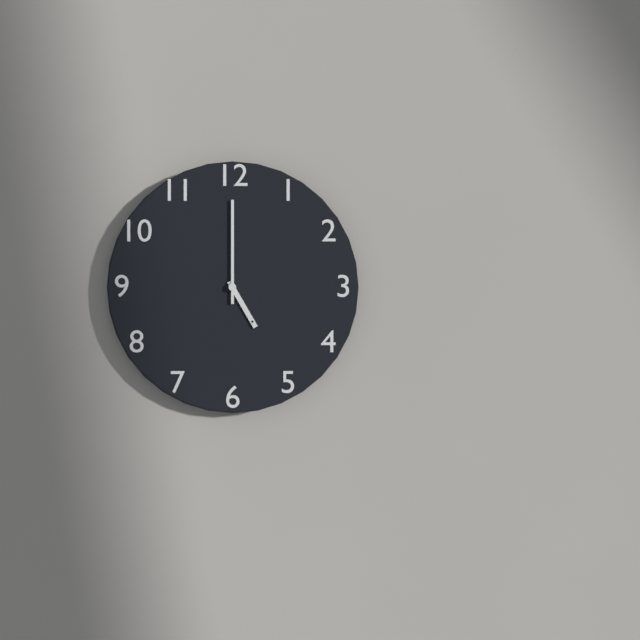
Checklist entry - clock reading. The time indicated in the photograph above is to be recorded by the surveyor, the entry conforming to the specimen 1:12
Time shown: 5:00
